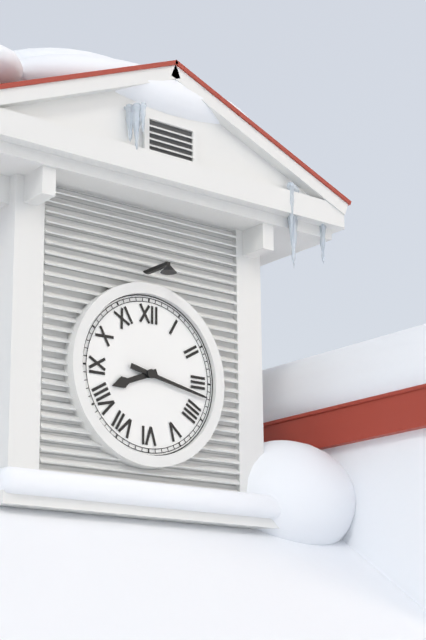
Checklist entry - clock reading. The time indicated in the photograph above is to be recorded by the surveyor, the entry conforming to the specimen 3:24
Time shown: 8:17
